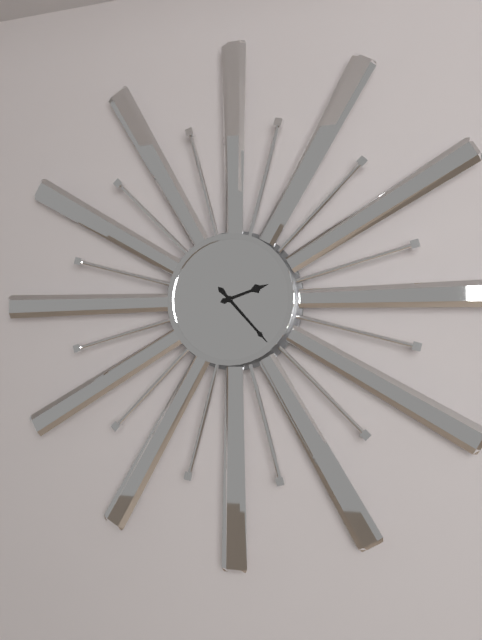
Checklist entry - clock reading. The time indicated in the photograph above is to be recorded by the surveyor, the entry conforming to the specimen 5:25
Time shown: 2:23
